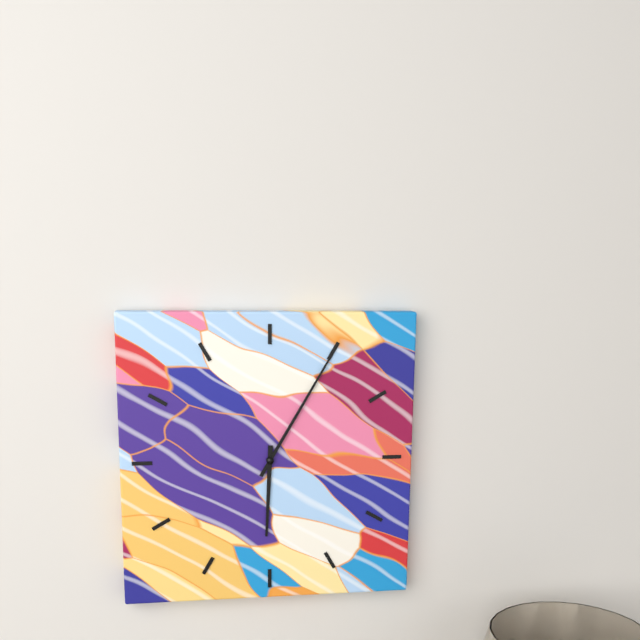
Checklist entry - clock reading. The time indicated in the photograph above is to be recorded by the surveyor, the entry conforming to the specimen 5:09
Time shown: 6:05
